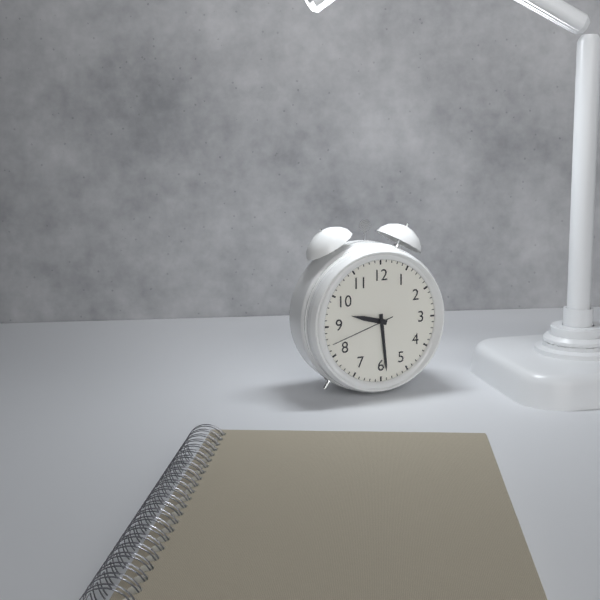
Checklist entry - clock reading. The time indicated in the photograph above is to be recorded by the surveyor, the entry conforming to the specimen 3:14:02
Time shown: 9:29:42
